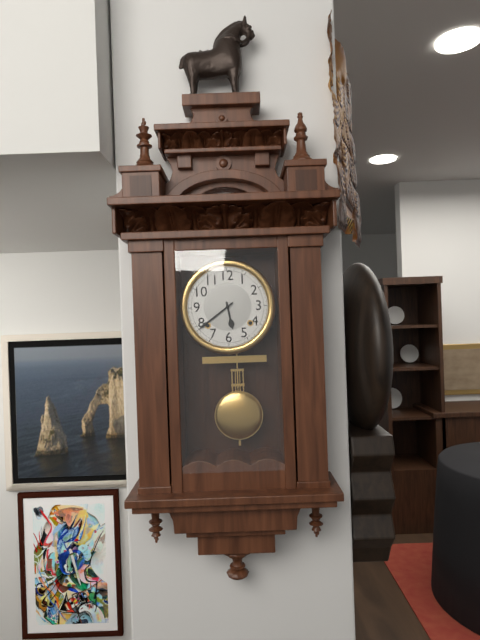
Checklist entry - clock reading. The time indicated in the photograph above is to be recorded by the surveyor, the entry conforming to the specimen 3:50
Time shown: 5:39
